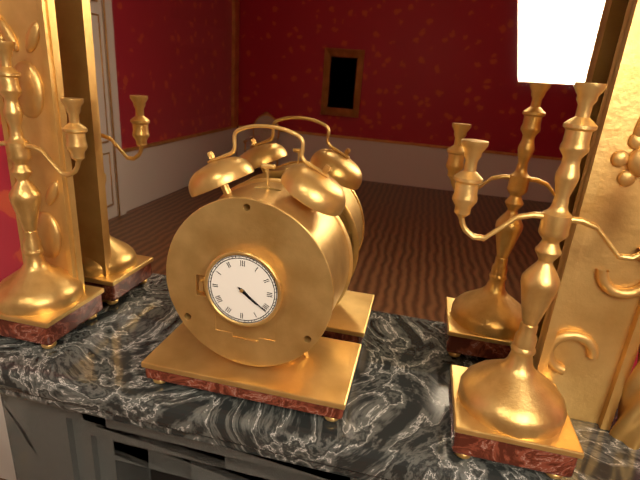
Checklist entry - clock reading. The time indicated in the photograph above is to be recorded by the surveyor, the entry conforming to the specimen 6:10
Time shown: 4:21
